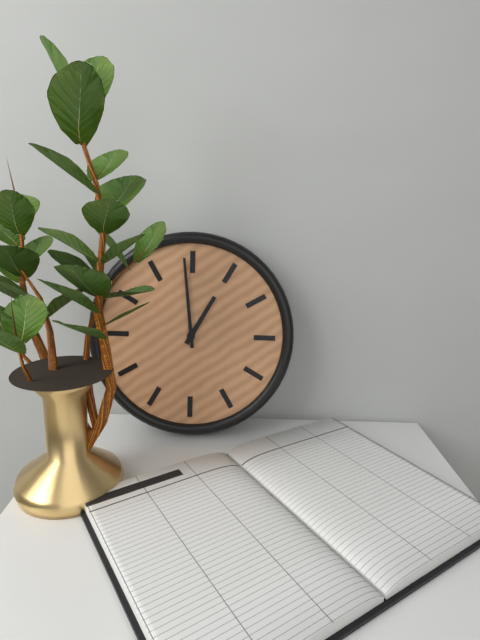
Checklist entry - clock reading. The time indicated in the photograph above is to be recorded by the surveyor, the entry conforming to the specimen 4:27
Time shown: 12:59
